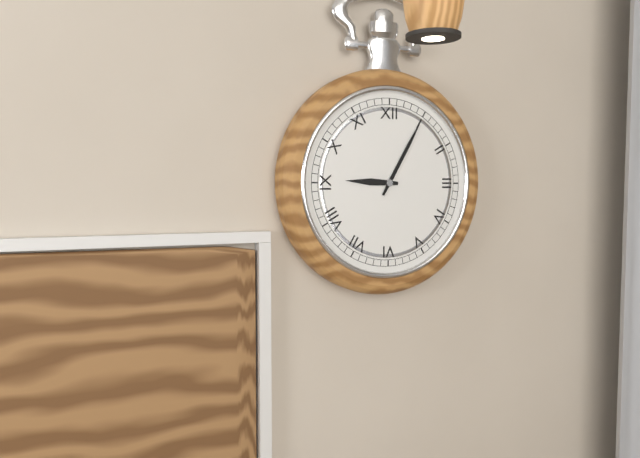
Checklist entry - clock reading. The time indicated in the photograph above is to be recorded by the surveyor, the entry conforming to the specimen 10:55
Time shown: 9:05
